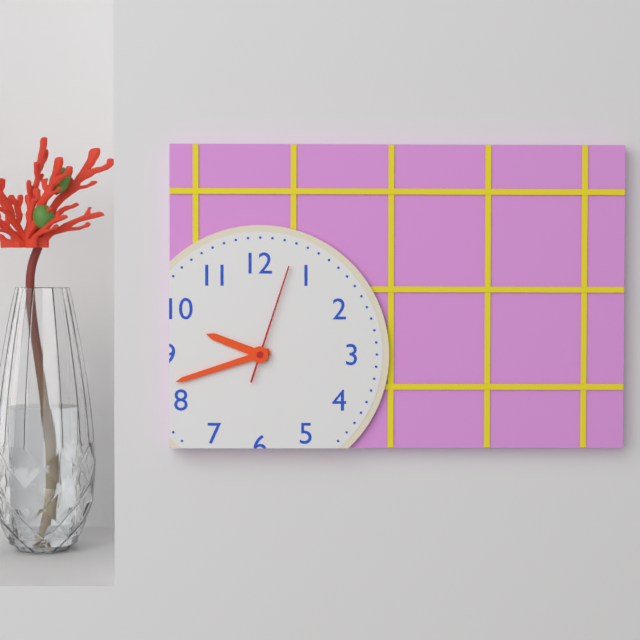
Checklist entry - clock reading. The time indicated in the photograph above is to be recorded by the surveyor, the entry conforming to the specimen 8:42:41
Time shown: 9:42:03
